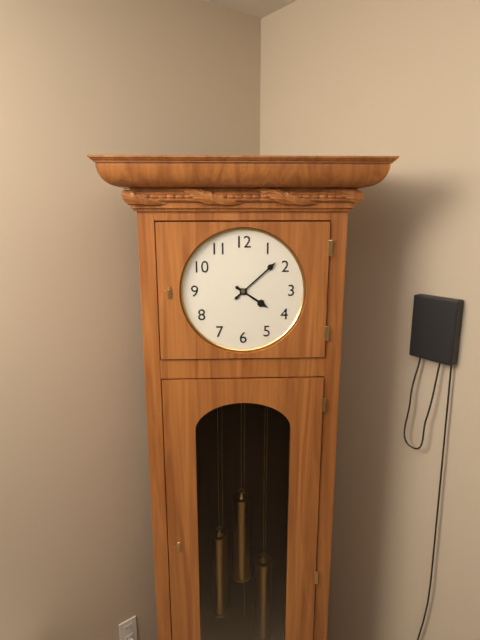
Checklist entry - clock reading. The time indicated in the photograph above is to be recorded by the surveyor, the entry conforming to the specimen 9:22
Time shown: 4:08
